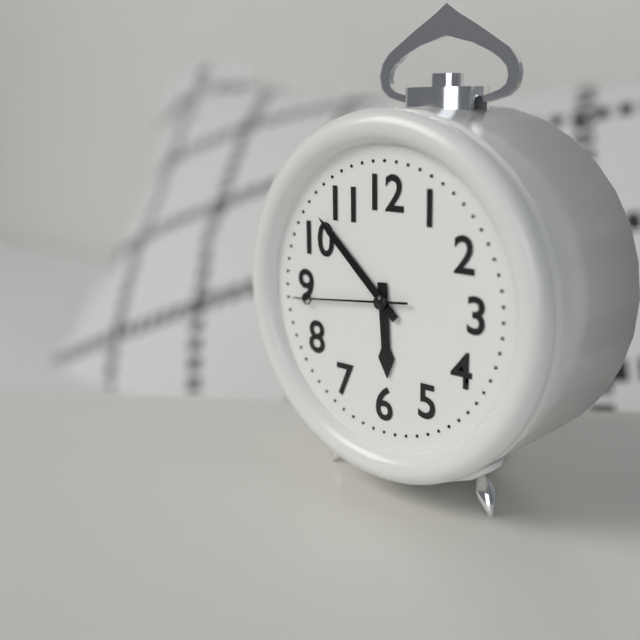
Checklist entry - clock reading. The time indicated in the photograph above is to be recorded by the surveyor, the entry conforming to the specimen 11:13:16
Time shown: 5:52:44
